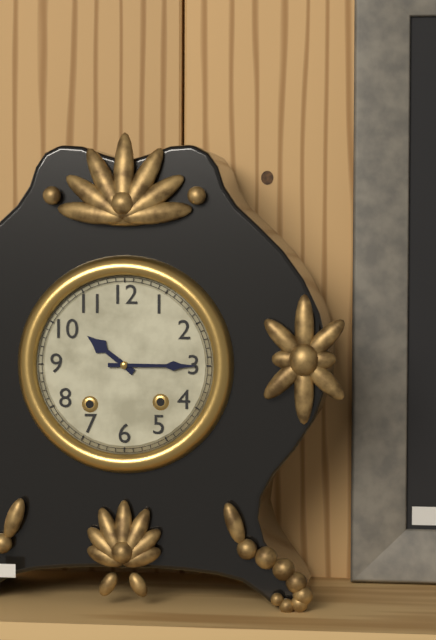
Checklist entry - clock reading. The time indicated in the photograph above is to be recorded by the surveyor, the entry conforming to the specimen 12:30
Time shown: 10:15
